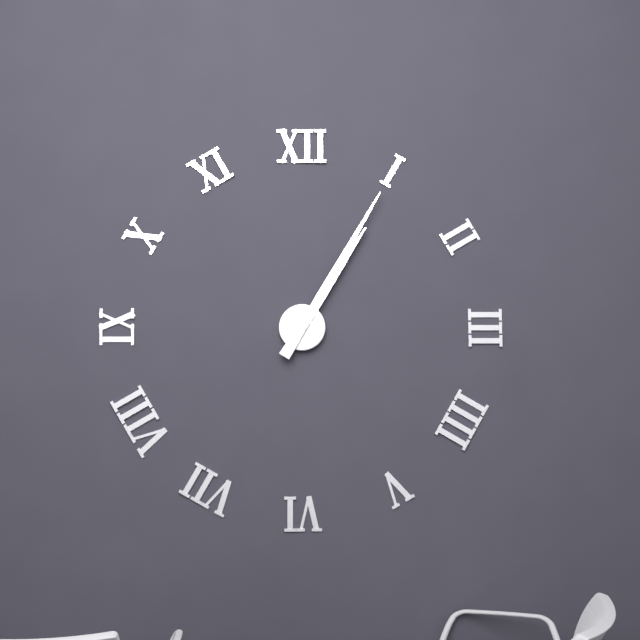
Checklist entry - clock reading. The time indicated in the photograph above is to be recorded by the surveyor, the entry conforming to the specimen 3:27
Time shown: 1:05
